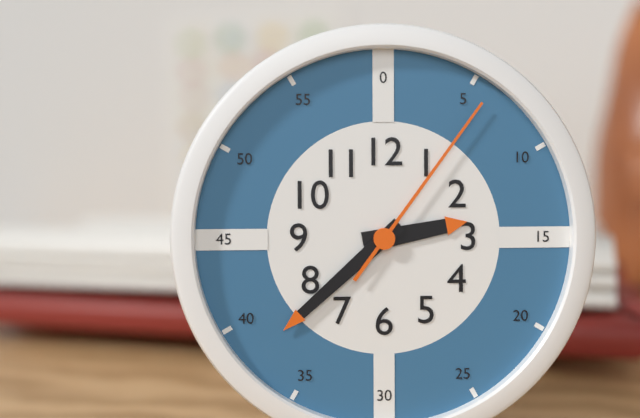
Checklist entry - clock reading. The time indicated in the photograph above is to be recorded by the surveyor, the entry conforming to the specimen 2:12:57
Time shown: 2:38:06
